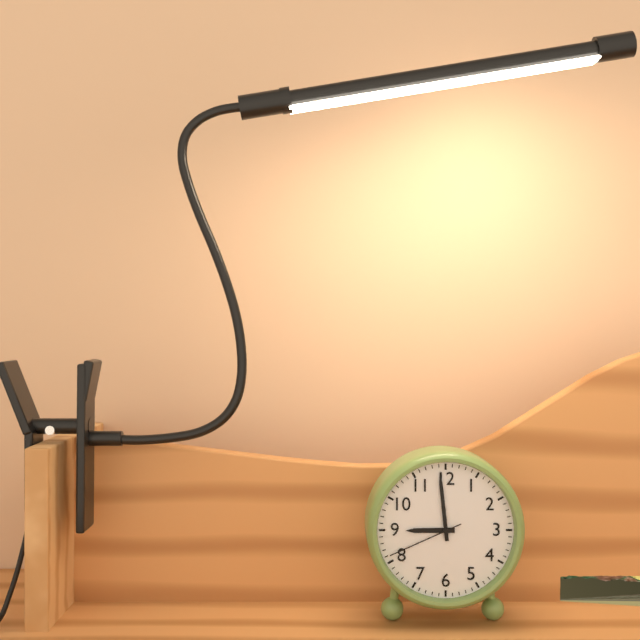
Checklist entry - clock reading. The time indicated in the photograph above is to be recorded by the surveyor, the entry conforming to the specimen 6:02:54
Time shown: 8:59:41
